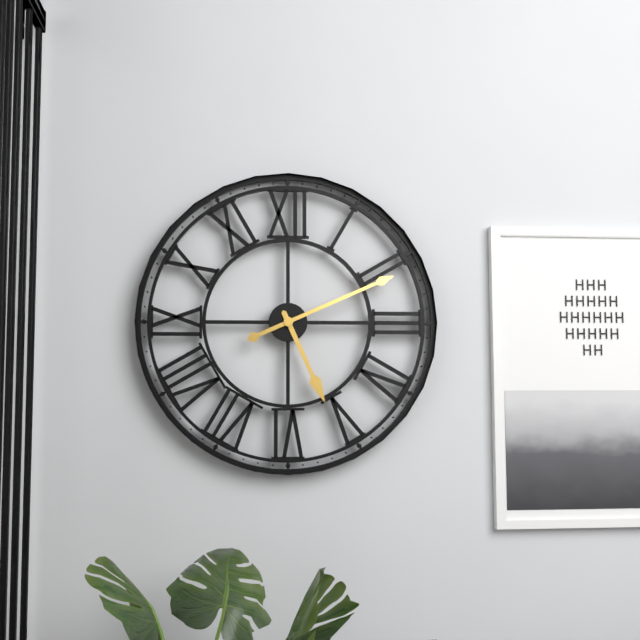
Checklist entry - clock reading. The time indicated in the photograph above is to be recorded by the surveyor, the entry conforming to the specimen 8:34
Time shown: 5:11
